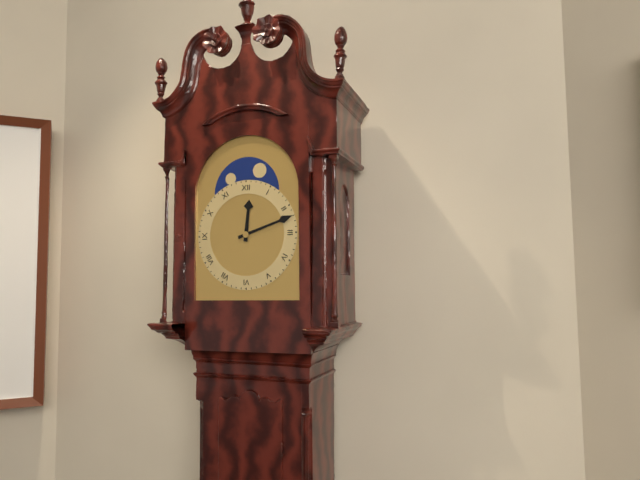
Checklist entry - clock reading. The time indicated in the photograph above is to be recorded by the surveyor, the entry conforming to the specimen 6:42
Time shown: 12:12
